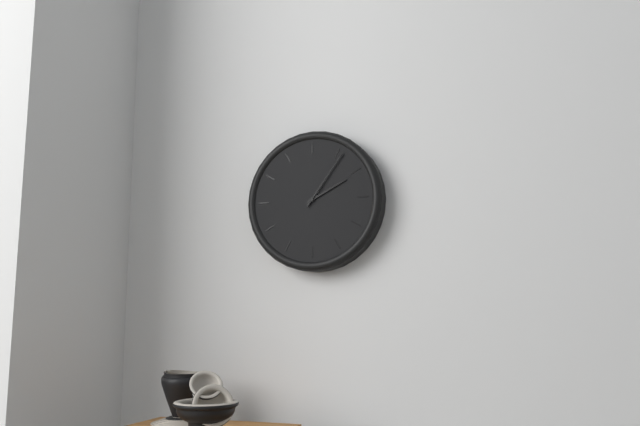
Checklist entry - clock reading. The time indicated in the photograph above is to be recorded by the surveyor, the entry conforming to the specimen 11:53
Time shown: 2:06
